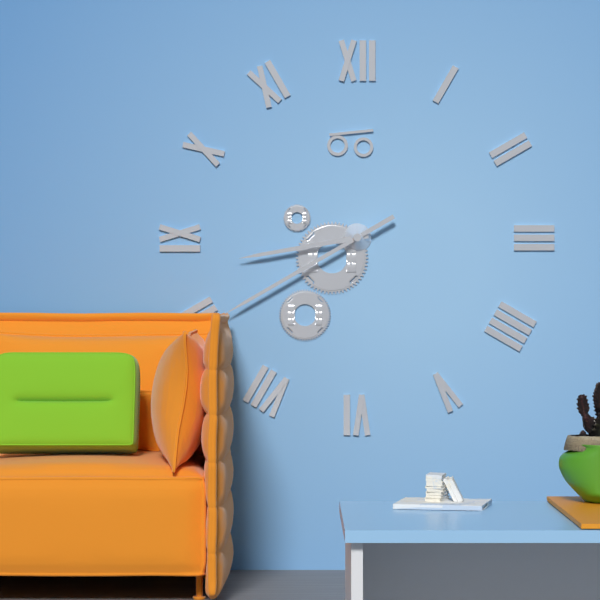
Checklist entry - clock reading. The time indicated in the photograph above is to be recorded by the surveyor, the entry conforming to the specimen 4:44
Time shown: 8:40
